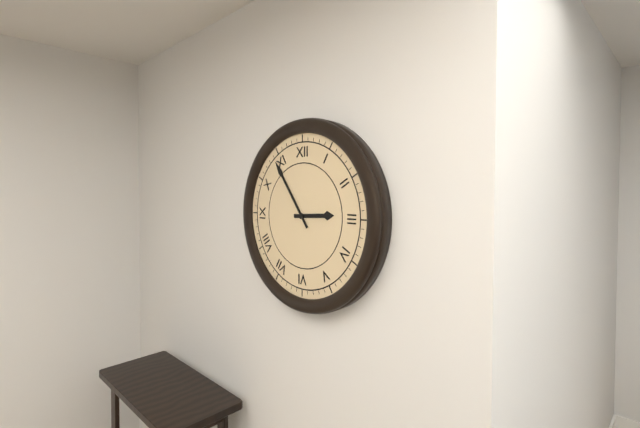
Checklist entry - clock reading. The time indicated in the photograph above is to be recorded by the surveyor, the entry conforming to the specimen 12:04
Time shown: 2:54
